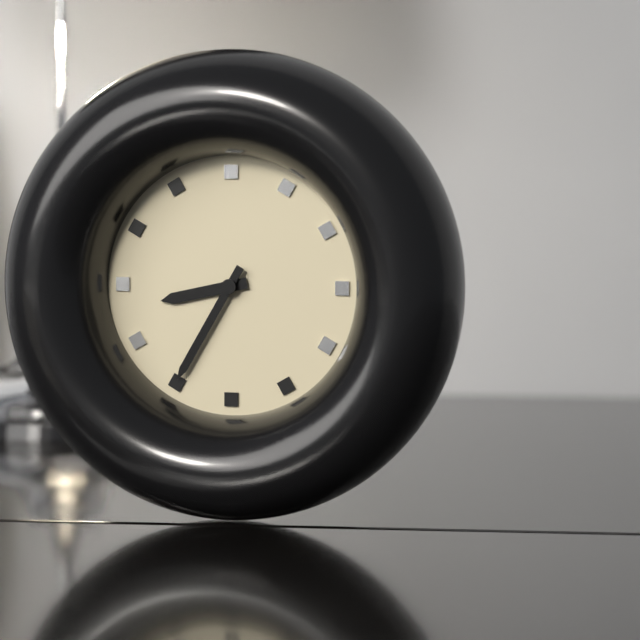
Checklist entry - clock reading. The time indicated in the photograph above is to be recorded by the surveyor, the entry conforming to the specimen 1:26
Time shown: 8:35
